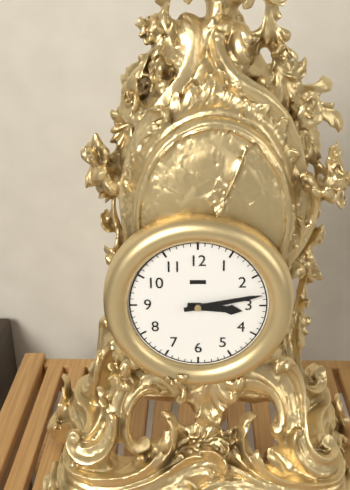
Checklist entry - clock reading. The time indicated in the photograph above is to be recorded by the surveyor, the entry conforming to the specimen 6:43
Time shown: 3:13
